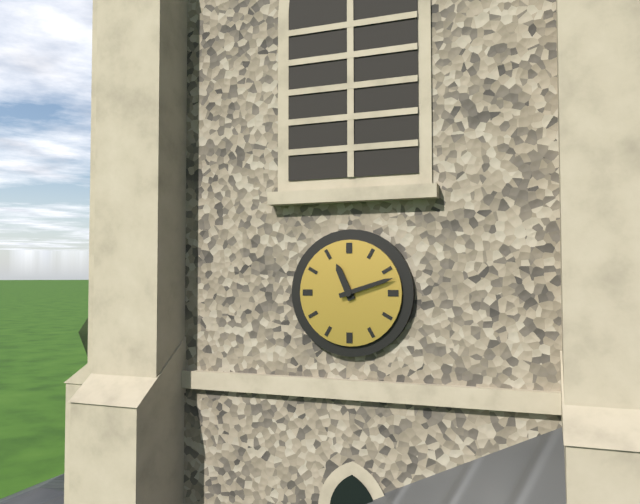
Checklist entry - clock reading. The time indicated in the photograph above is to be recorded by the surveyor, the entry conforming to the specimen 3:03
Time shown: 11:12
